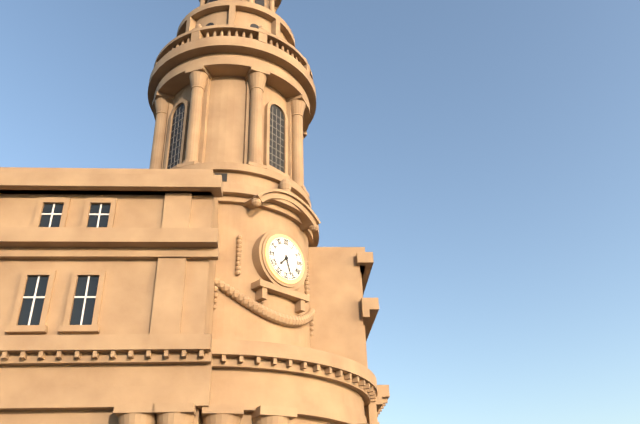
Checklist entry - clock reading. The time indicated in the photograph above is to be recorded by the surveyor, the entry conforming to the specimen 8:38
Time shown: 7:27
